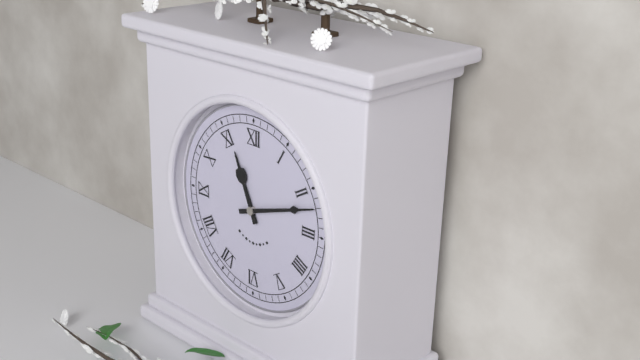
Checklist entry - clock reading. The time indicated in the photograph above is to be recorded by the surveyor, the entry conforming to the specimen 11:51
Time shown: 11:12
